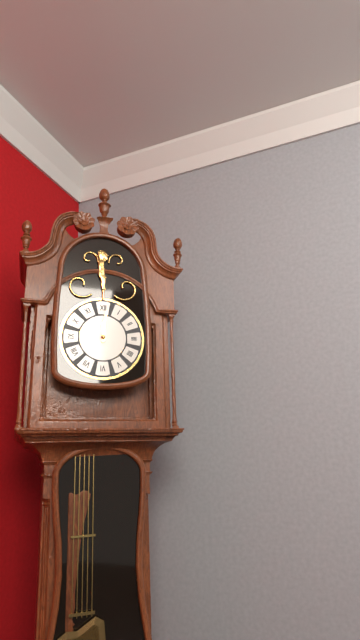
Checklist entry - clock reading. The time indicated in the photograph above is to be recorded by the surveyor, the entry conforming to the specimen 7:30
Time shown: 12:01
